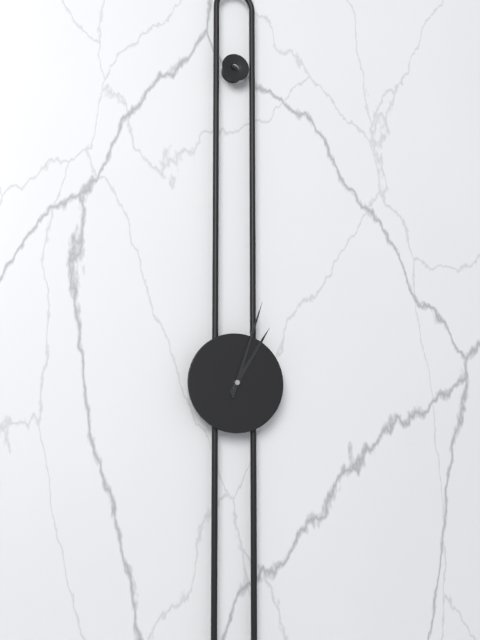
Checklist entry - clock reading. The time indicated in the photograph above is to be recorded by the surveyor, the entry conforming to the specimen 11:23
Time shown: 1:03
